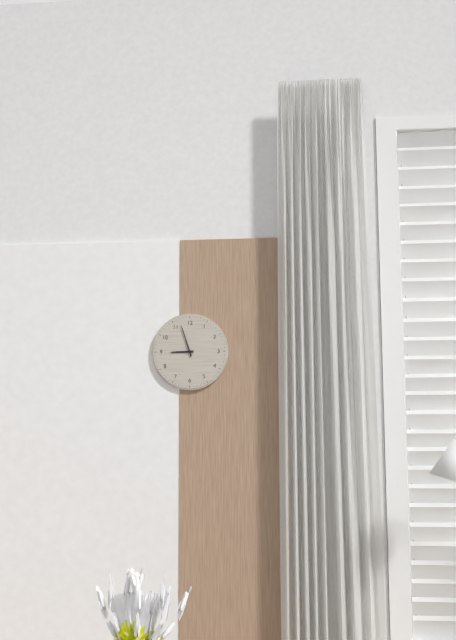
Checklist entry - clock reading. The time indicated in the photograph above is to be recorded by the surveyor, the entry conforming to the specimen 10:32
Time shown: 8:57
